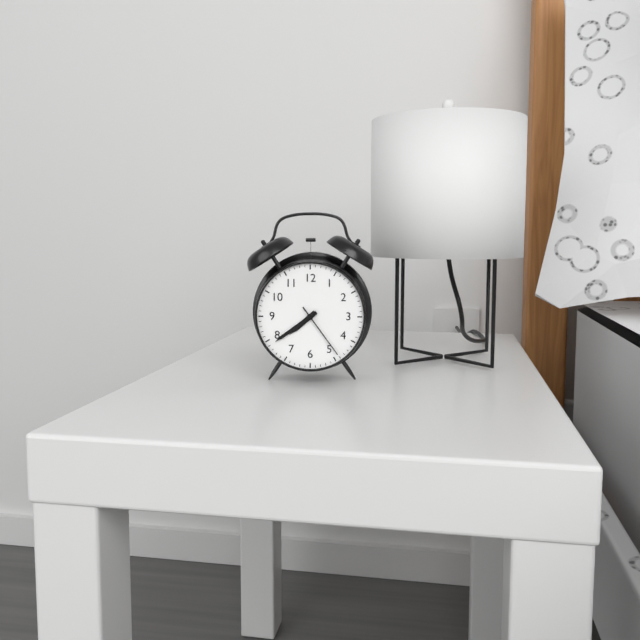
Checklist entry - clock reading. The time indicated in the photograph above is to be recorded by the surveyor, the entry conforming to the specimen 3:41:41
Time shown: 7:39:24
